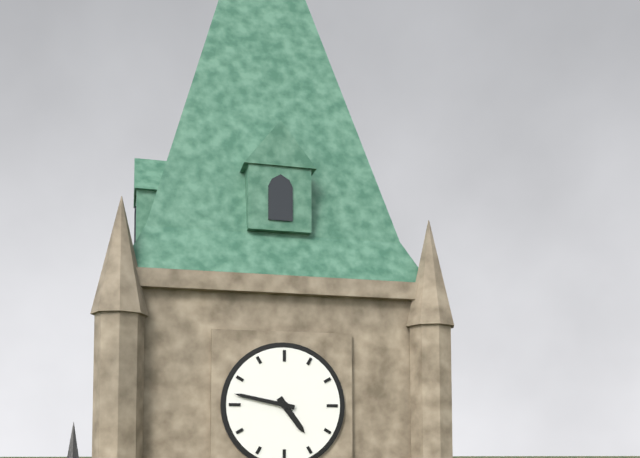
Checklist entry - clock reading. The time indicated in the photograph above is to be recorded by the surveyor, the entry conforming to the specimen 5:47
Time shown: 4:47
